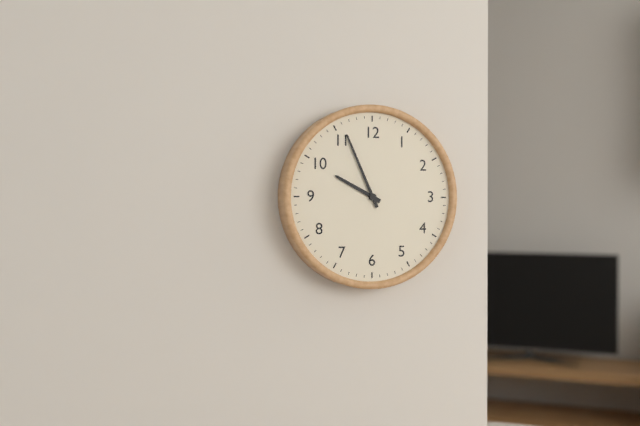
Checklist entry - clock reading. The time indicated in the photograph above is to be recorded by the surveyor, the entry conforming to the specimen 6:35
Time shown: 9:56
